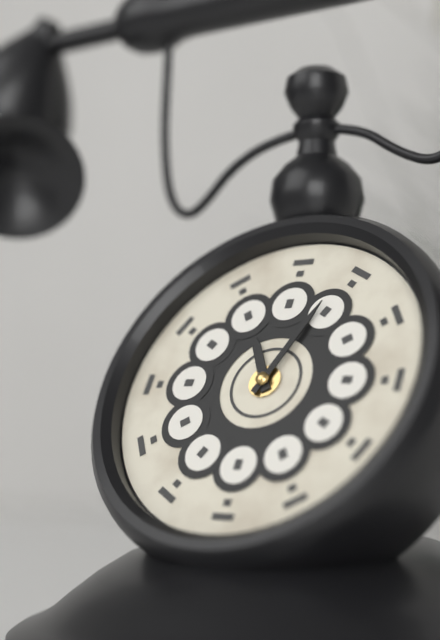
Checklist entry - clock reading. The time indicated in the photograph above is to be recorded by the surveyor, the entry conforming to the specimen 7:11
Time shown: 11:04
